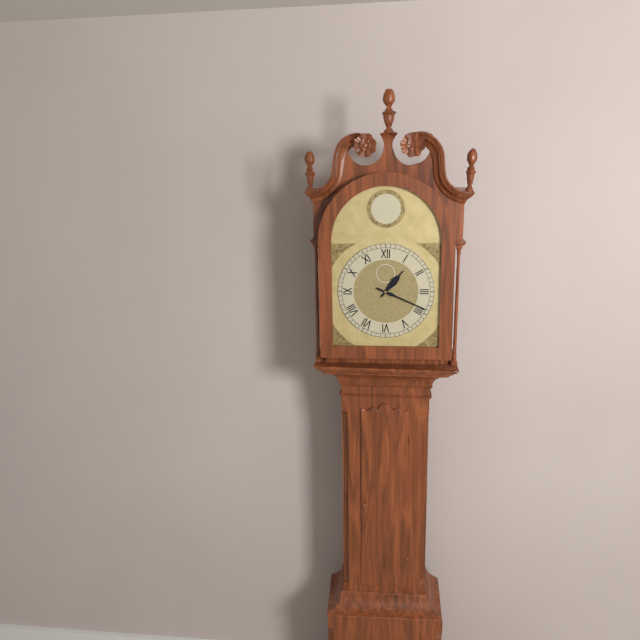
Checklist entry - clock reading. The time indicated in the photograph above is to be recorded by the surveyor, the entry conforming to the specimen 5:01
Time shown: 1:19
